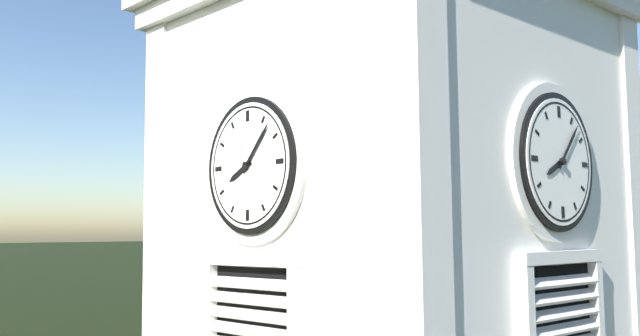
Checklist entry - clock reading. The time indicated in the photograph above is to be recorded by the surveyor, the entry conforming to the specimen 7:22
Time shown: 8:07
